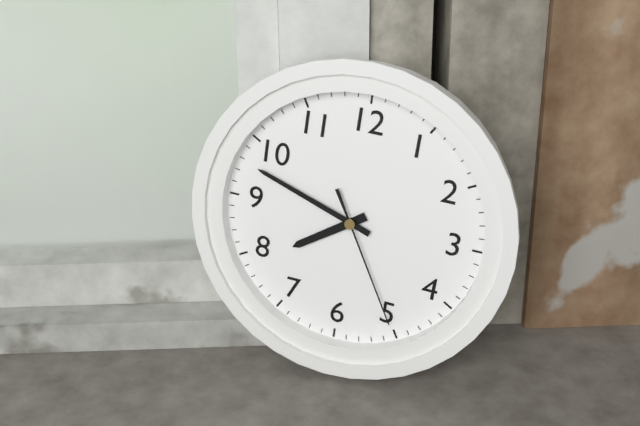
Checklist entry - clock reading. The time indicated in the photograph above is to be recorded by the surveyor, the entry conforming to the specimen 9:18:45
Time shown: 7:48:25
